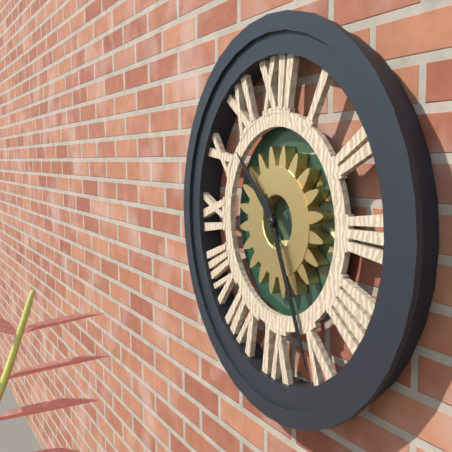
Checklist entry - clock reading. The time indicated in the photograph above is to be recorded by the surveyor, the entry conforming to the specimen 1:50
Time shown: 10:26
